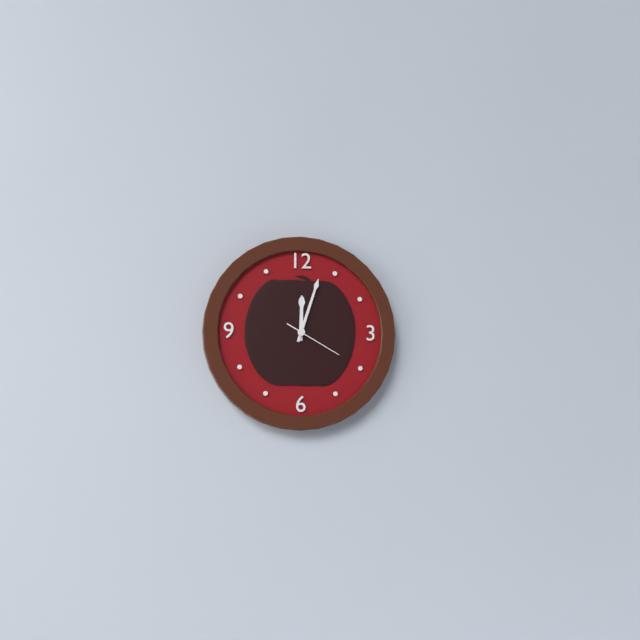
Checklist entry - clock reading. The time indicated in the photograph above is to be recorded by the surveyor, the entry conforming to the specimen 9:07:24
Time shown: 12:03:20
